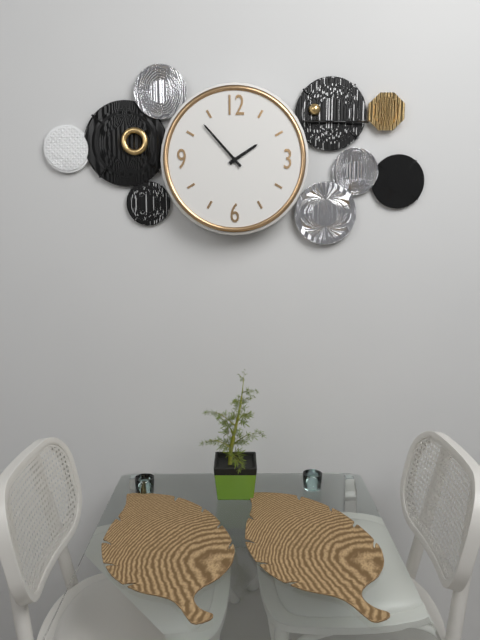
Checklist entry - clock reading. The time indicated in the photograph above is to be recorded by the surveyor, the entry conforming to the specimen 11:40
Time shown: 1:53
